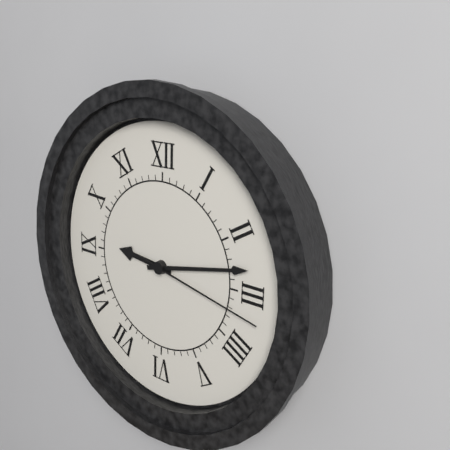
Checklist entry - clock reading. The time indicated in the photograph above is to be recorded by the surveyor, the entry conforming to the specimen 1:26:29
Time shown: 9:13:17
